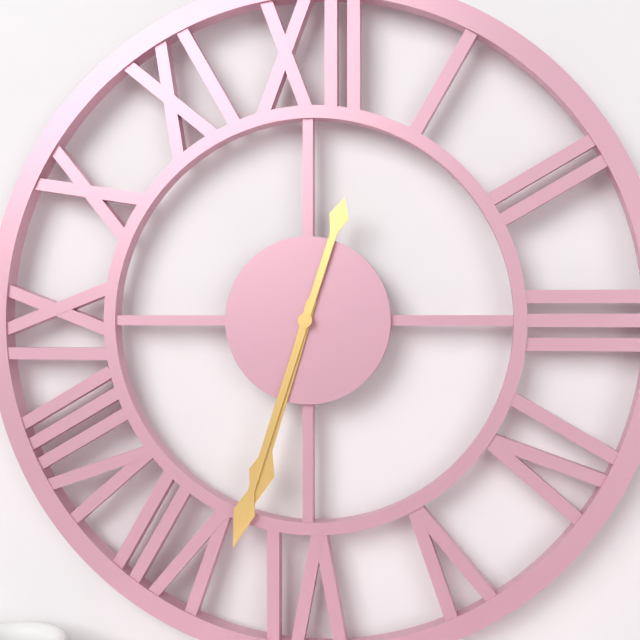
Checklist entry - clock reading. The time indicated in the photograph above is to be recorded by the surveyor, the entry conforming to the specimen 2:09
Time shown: 6:33
